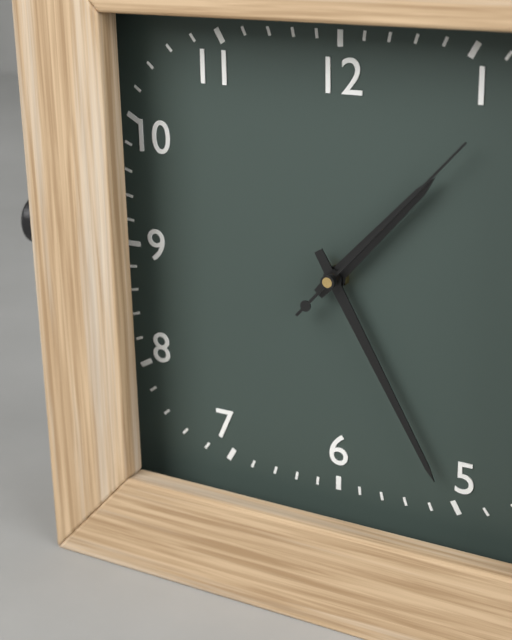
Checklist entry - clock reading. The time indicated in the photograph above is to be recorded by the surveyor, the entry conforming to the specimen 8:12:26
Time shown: 1:25:07
